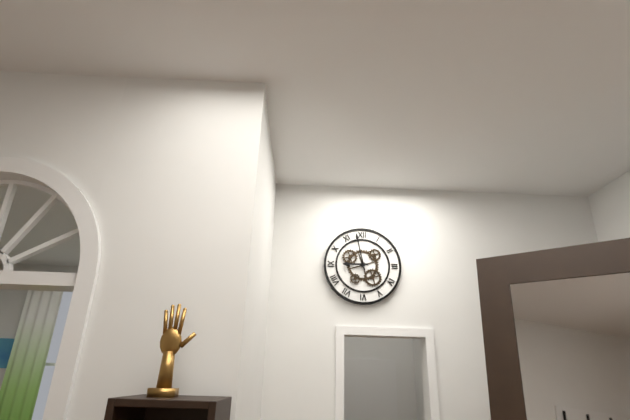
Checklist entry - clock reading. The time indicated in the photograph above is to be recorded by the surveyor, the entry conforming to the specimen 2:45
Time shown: 8:58
